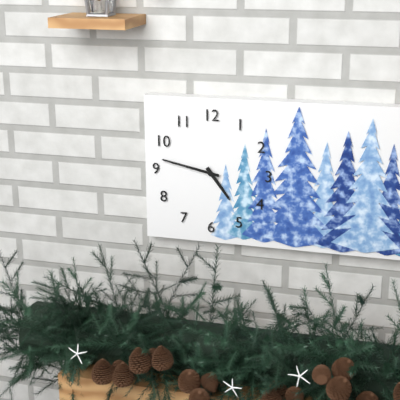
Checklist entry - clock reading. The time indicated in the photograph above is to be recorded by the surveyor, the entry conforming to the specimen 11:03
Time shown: 4:47
